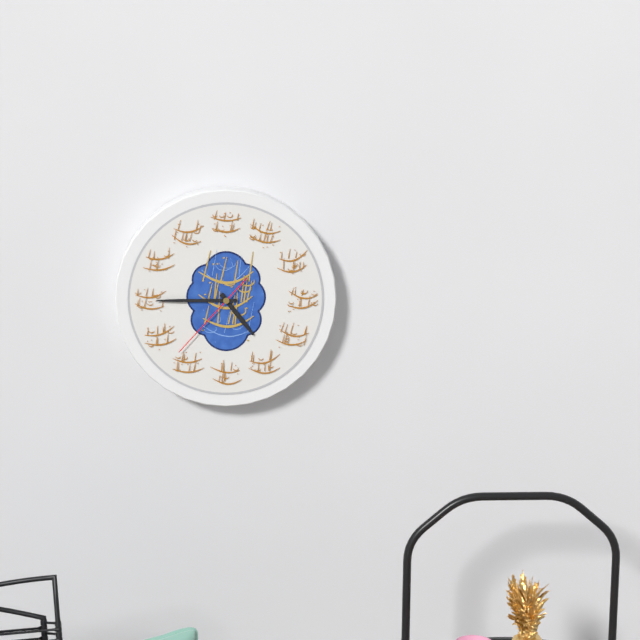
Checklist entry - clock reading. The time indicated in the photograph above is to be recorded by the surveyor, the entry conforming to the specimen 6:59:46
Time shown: 4:45:37
